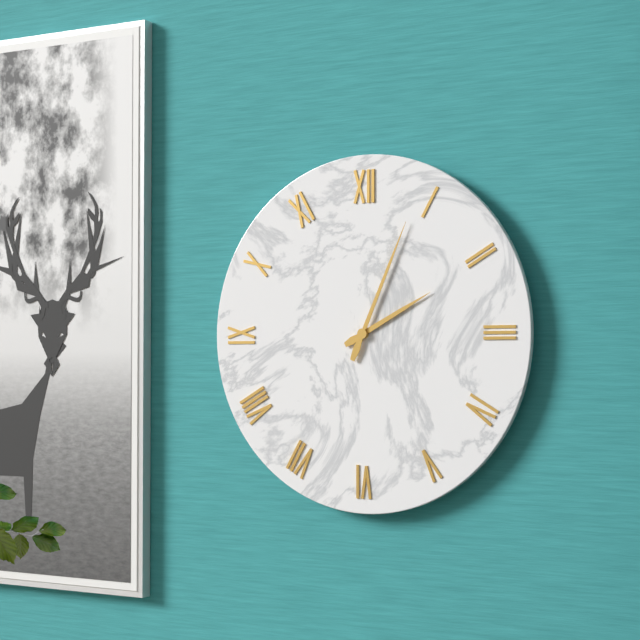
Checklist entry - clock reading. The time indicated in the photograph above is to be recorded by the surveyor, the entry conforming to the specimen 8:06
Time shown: 2:04
